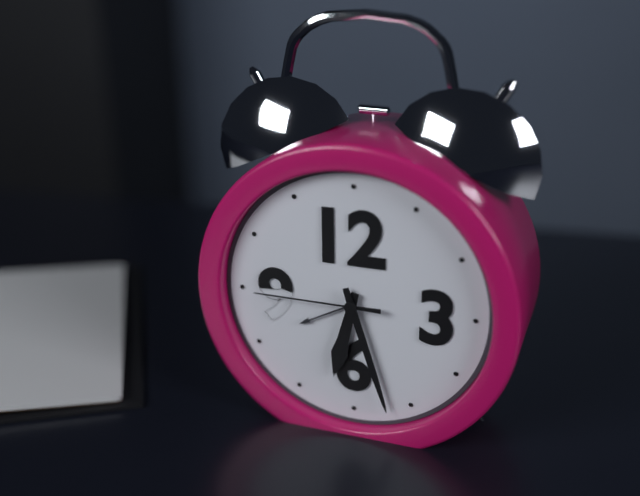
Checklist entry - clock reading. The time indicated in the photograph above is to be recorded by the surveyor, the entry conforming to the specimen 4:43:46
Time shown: 6:27:45
